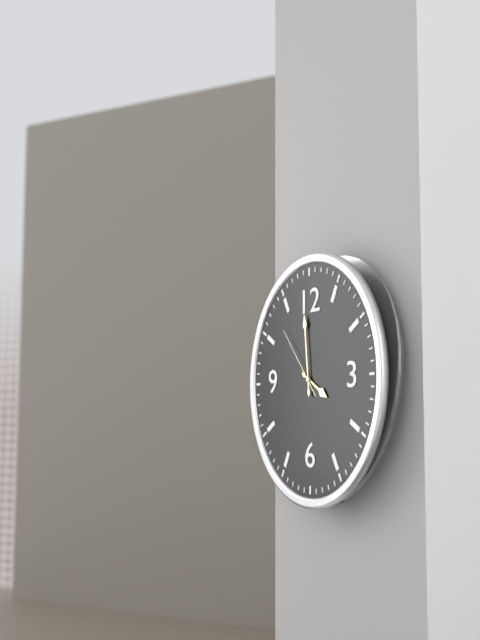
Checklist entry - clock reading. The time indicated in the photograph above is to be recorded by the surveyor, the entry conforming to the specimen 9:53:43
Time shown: 3:59:53
